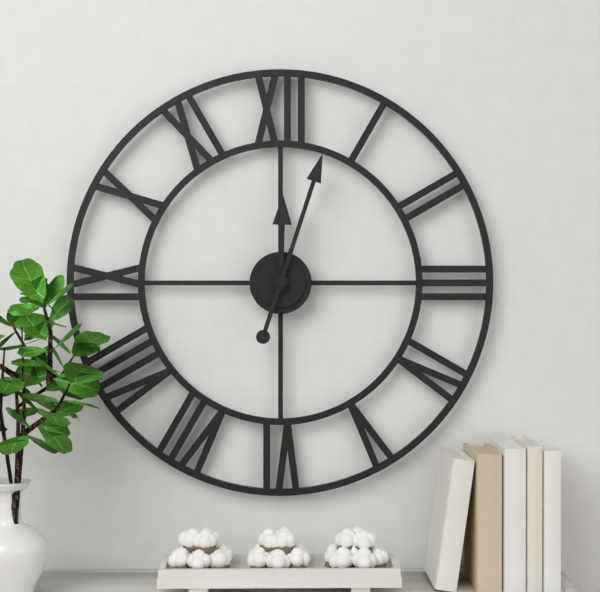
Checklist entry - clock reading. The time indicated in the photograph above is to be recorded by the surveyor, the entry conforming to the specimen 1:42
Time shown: 12:03
